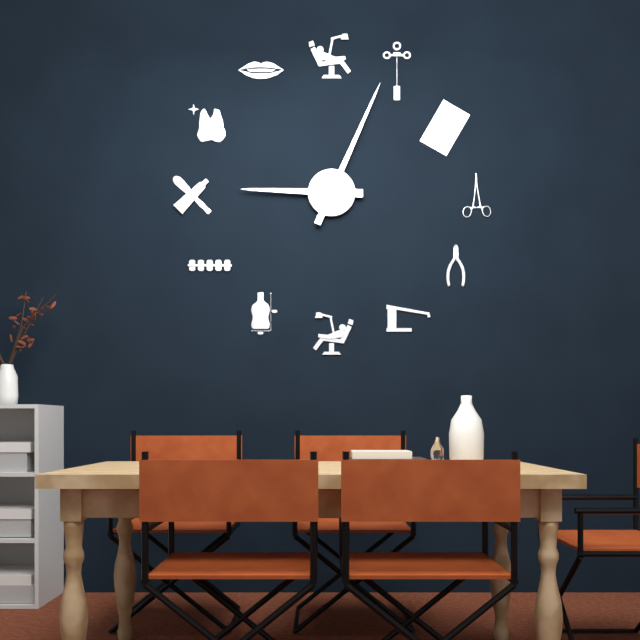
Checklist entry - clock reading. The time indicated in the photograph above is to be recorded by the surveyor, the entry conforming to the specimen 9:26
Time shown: 9:04
